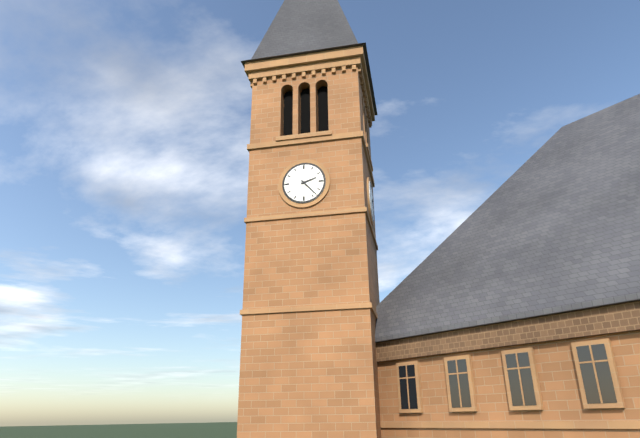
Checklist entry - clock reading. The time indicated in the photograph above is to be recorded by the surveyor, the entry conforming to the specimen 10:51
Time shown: 2:23
